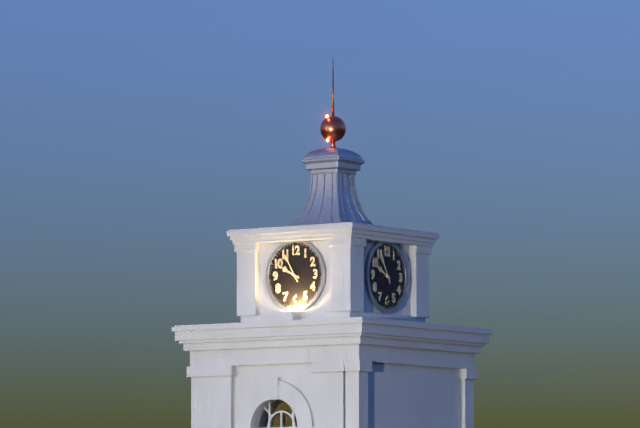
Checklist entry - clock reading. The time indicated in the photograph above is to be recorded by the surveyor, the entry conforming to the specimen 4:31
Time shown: 9:55
